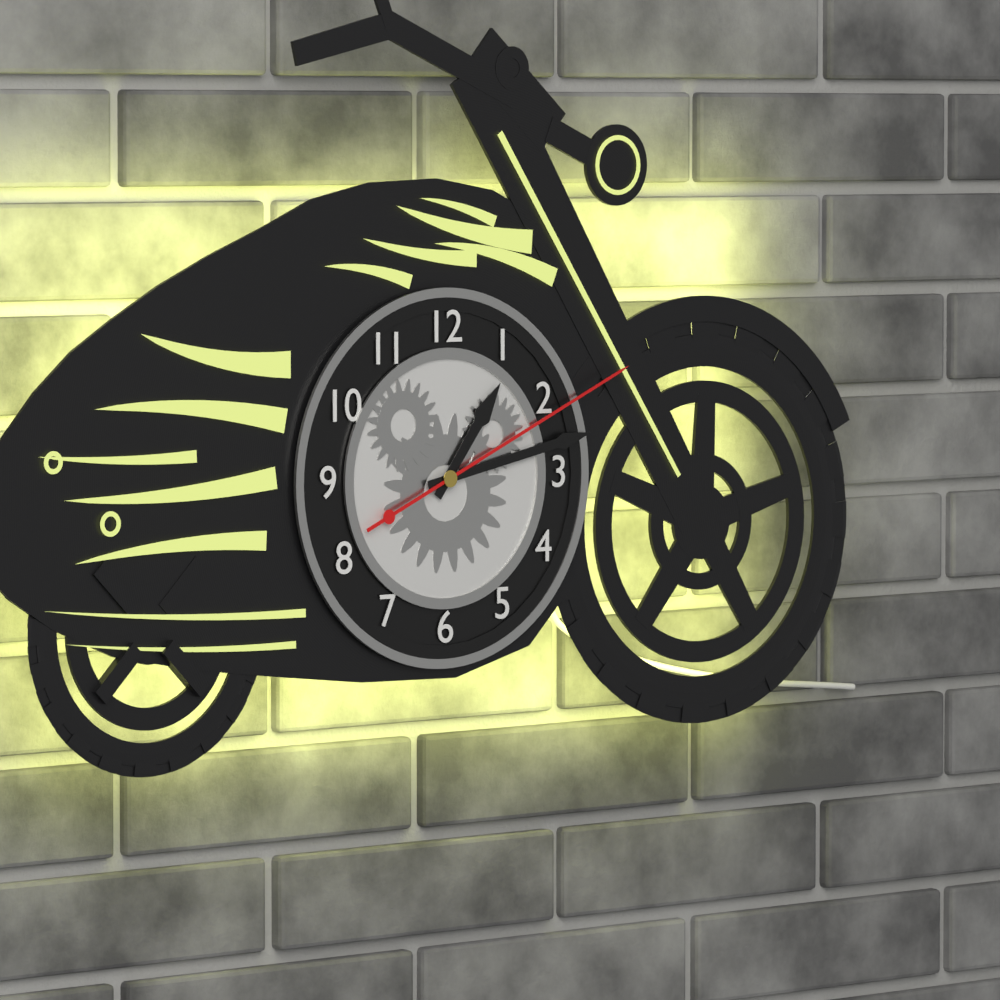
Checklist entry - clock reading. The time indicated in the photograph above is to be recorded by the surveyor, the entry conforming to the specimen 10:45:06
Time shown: 1:13:11
